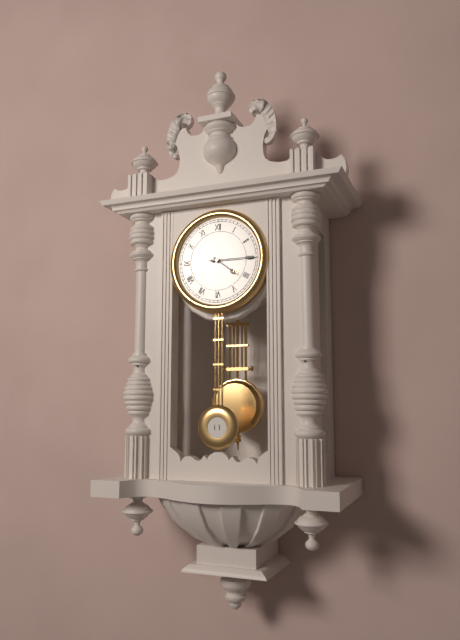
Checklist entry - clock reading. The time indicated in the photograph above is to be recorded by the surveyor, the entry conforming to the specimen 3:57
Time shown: 4:15
